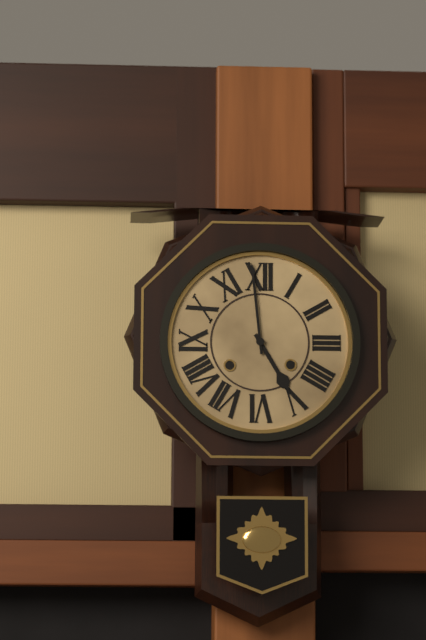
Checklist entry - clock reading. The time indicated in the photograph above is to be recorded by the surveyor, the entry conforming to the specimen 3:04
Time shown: 4:59
